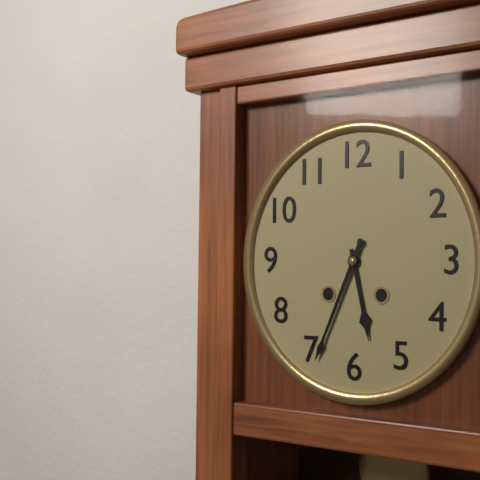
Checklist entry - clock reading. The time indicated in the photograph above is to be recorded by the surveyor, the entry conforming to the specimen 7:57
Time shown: 5:34
